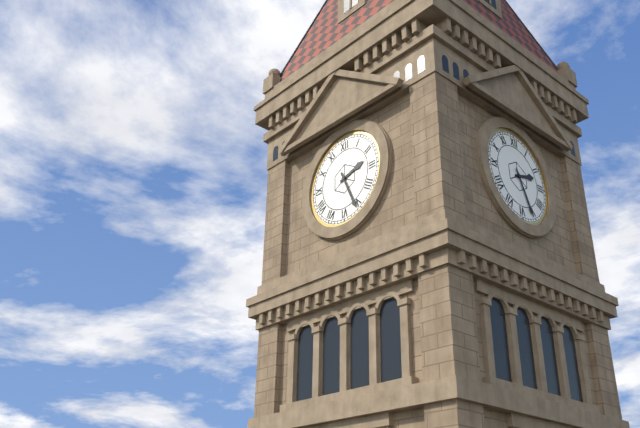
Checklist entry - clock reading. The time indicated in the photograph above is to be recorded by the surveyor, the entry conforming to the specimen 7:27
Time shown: 2:26
